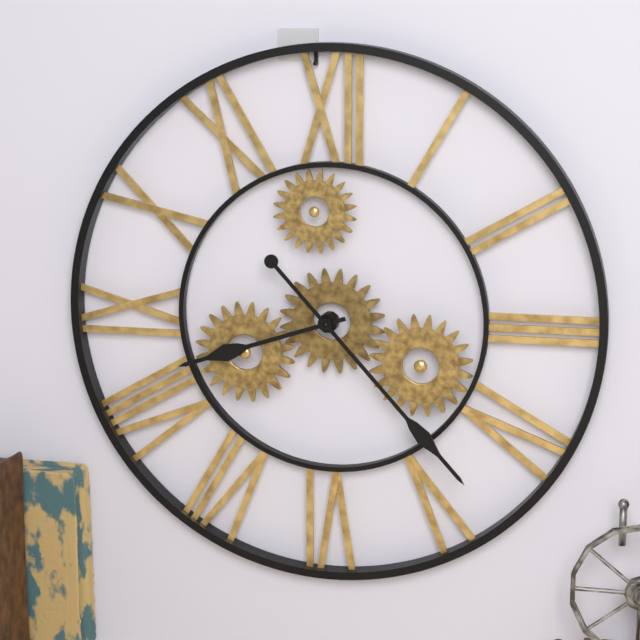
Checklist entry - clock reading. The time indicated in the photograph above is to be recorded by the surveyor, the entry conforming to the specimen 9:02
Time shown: 8:23
